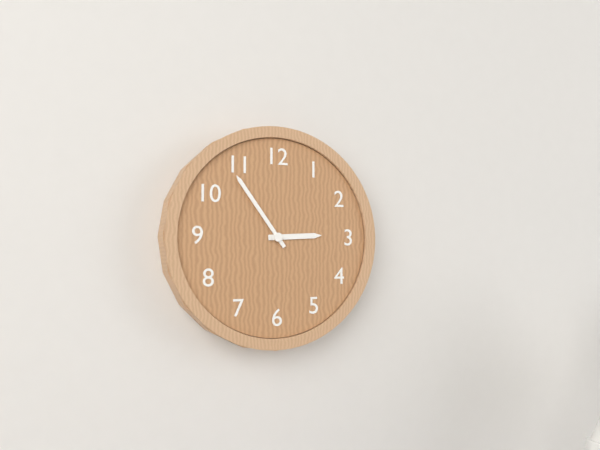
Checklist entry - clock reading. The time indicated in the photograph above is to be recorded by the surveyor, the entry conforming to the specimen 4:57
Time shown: 2:54
